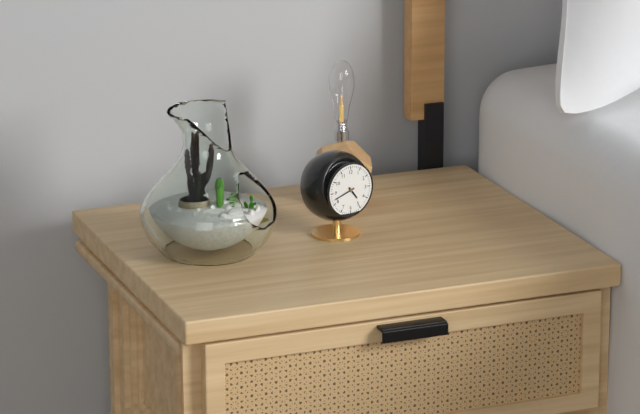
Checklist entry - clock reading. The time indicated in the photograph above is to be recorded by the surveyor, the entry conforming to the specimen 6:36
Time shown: 4:42
